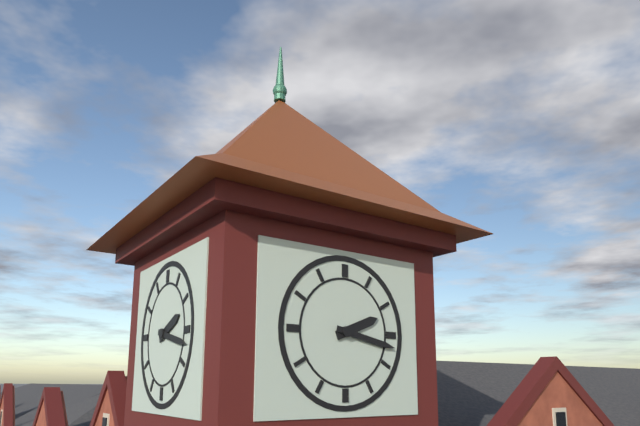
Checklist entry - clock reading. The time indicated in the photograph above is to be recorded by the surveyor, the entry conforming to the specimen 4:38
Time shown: 2:17
